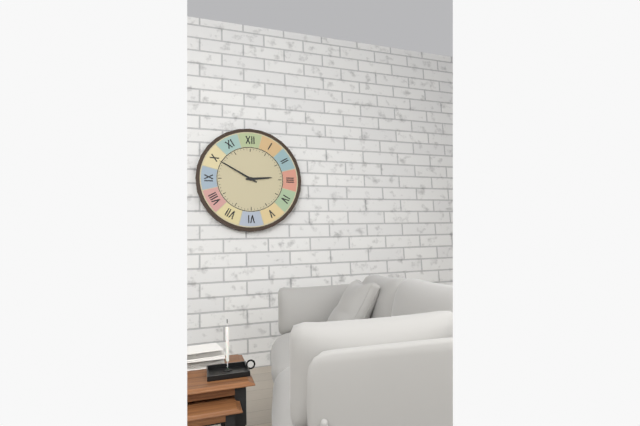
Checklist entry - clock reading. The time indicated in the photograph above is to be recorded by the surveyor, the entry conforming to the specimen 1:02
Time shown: 2:50
